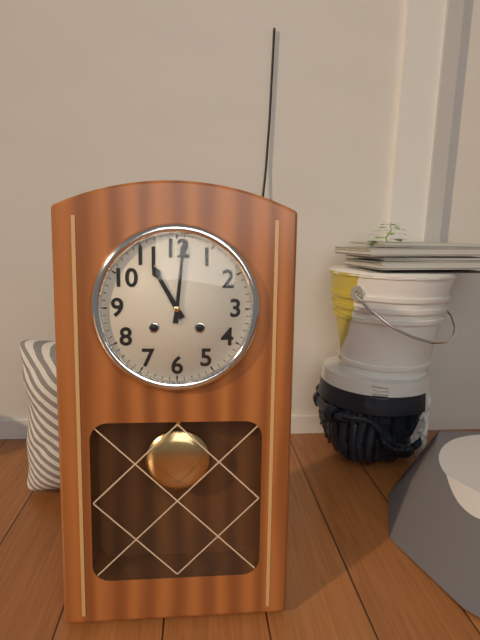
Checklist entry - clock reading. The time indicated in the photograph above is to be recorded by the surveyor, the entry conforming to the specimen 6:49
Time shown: 11:01
